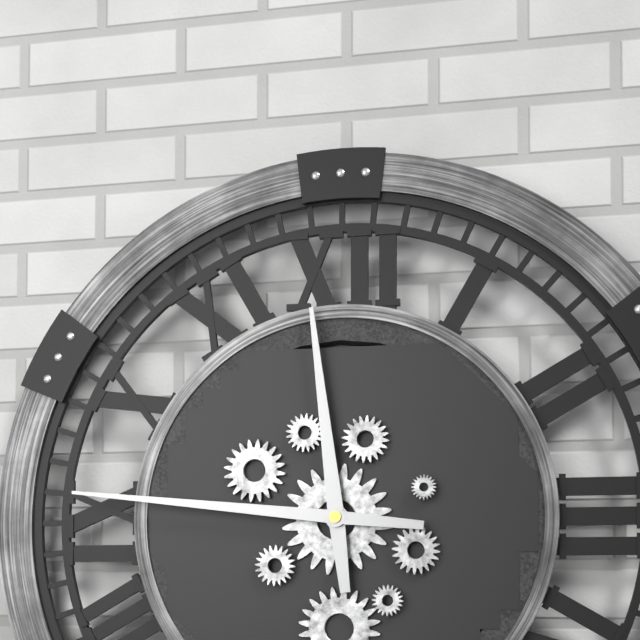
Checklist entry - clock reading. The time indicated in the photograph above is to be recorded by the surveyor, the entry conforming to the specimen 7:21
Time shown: 11:46
